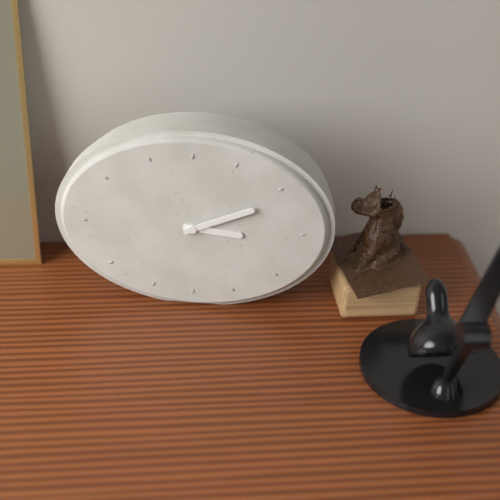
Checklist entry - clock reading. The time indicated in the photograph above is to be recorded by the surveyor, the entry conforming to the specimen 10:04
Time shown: 3:11
